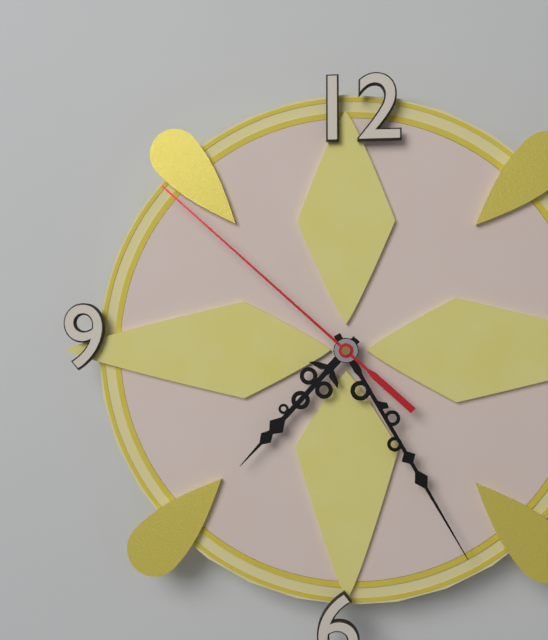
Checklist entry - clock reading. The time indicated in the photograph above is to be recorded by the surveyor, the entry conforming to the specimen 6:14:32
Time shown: 7:25:52
